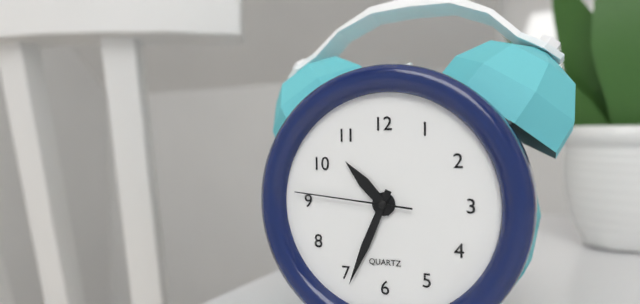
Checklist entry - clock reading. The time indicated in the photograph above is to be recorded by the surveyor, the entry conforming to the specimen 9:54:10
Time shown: 10:34:46
